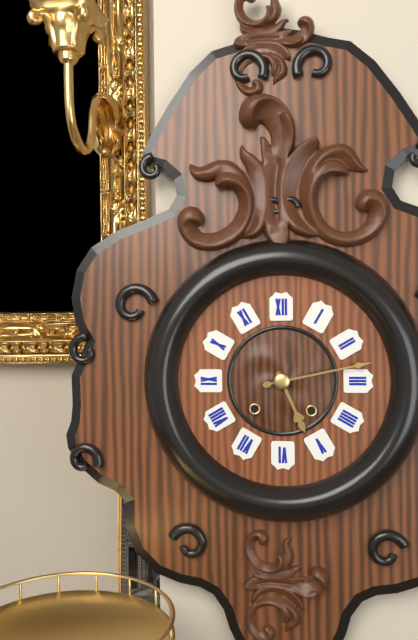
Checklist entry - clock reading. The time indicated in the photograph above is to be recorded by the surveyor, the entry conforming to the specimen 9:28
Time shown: 5:13
